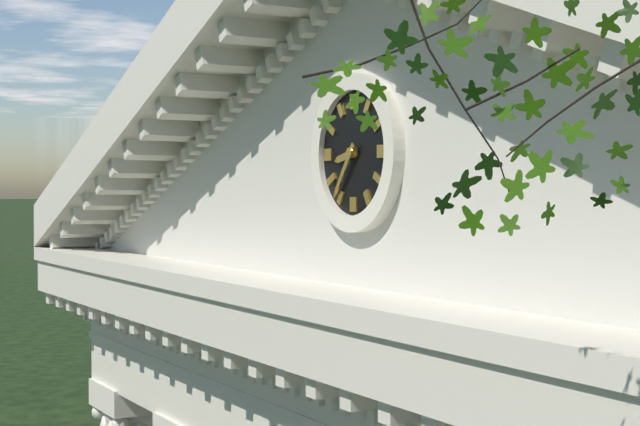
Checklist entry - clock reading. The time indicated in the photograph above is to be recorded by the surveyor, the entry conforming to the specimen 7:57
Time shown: 8:36
